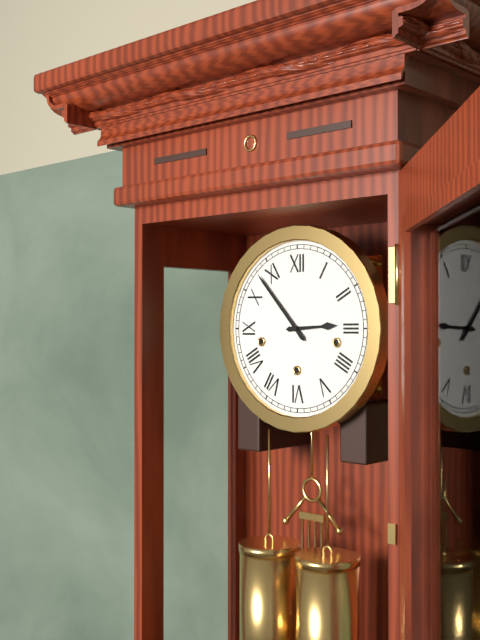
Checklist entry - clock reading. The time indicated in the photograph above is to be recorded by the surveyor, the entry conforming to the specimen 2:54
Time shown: 2:53
